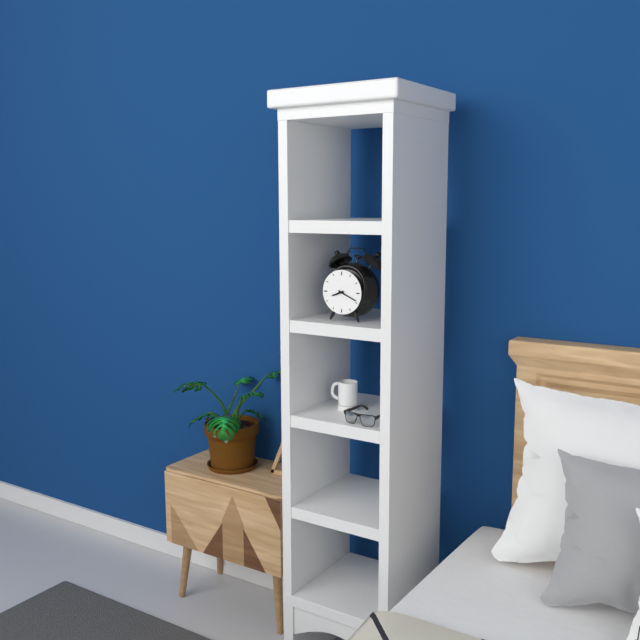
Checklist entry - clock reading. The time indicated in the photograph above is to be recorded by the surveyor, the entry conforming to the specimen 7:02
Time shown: 8:19
